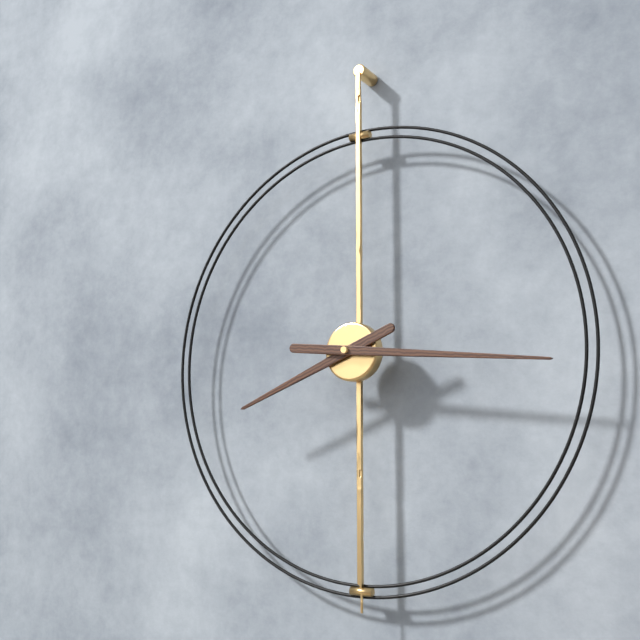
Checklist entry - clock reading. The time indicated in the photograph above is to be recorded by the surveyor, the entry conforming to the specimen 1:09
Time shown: 8:16
